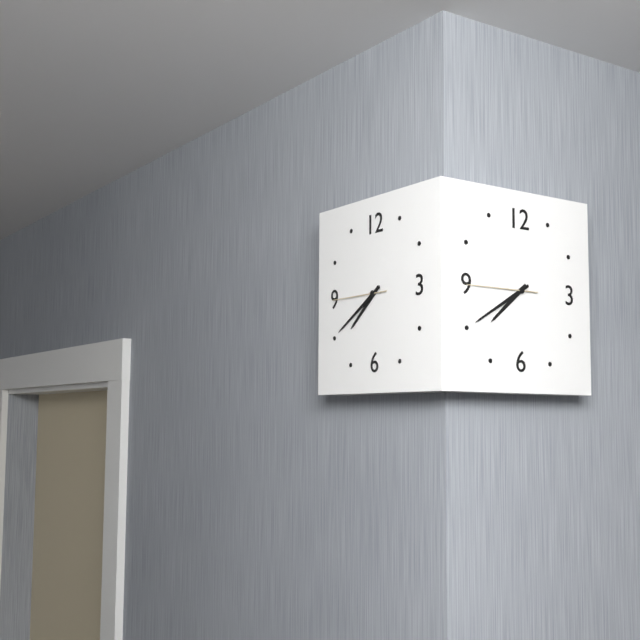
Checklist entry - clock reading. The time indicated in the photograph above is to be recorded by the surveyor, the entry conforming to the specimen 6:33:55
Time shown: 7:40:45
